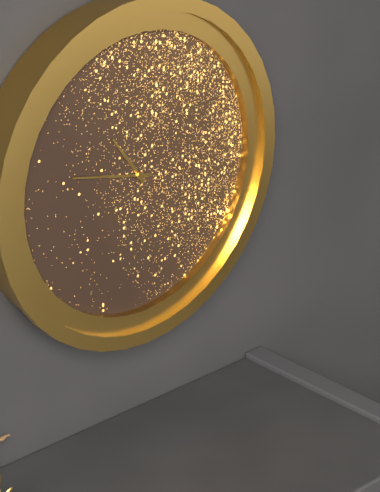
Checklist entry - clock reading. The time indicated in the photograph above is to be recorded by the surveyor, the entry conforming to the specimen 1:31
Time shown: 10:47
